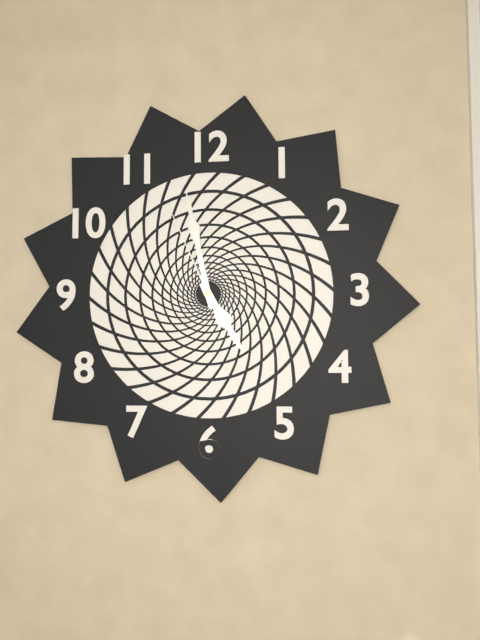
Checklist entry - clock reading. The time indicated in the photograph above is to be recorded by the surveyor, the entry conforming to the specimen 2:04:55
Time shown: 4:58:56
